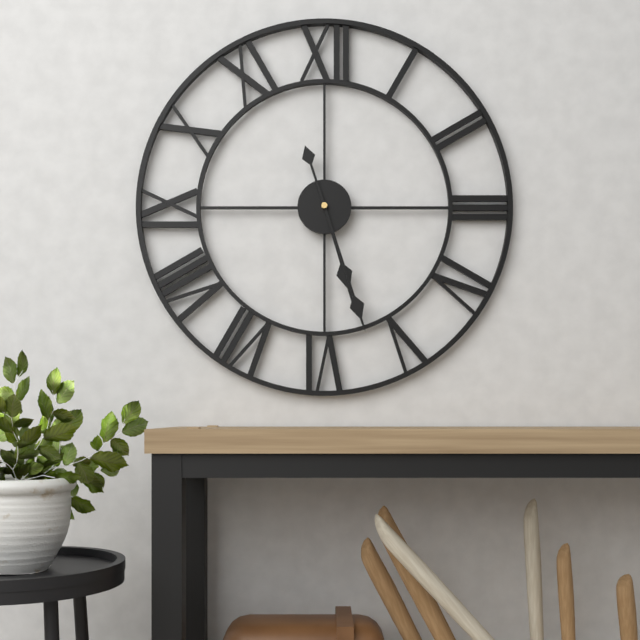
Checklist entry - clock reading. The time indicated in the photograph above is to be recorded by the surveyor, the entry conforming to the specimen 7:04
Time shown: 5:27
